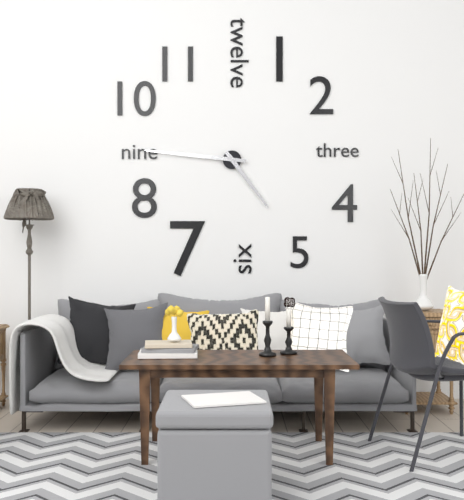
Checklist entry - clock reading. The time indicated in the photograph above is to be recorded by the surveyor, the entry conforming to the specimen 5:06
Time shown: 4:46
